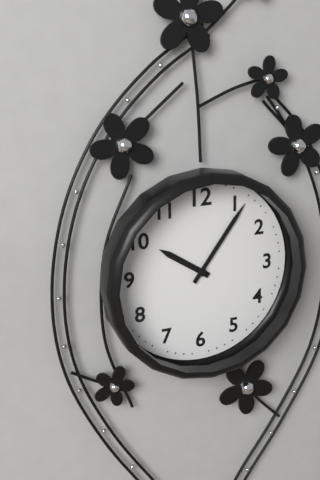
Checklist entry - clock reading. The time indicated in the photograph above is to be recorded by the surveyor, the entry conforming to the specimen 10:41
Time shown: 10:06
